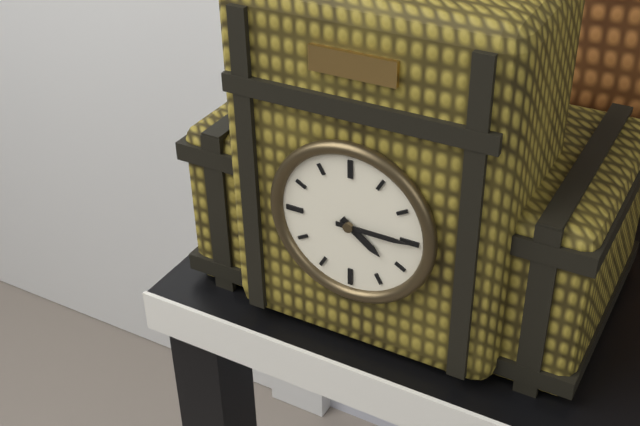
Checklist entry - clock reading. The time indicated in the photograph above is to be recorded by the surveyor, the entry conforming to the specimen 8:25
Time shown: 4:15
